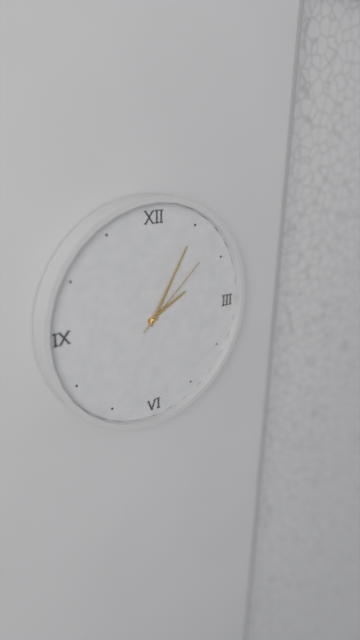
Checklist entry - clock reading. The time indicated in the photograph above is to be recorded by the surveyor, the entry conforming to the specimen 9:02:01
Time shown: 2:05:08
